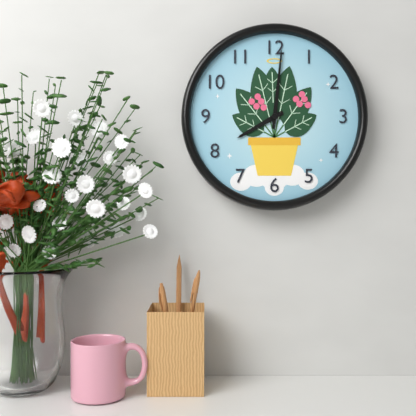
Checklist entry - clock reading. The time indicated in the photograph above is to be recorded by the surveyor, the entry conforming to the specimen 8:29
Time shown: 8:01
